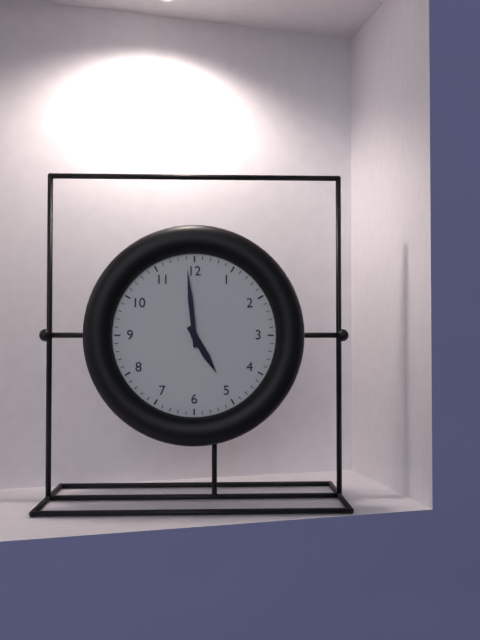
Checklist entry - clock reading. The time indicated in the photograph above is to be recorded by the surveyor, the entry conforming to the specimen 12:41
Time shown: 4:59
